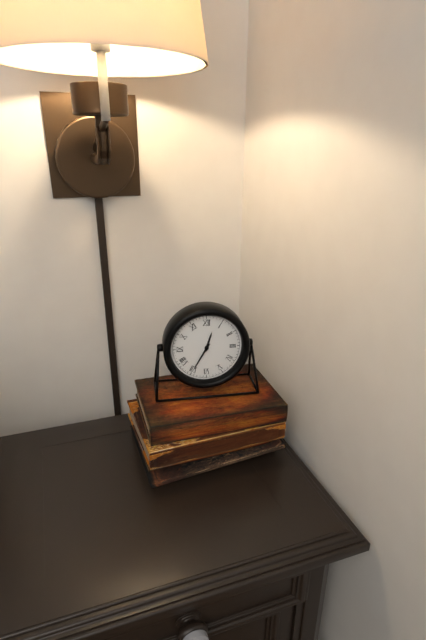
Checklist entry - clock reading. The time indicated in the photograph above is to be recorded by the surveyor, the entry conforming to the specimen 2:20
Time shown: 12:35
